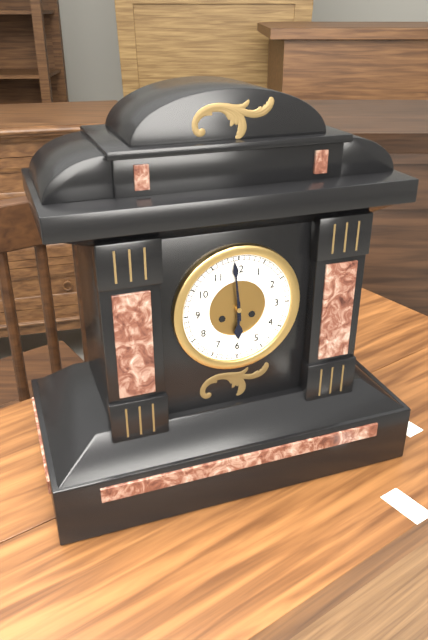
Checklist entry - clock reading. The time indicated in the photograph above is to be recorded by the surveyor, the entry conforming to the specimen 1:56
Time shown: 5:59
